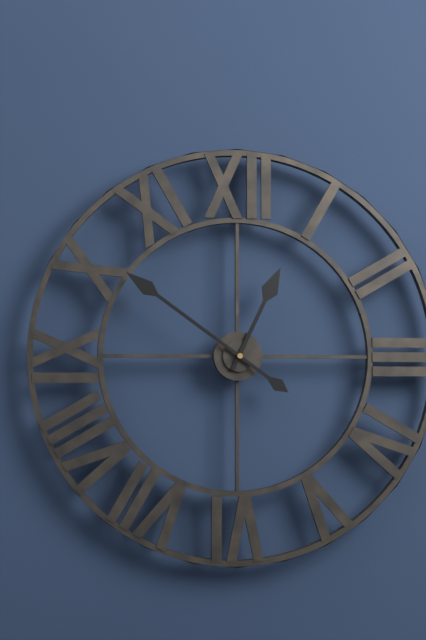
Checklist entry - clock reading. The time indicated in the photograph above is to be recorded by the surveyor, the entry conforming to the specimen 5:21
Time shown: 12:51
